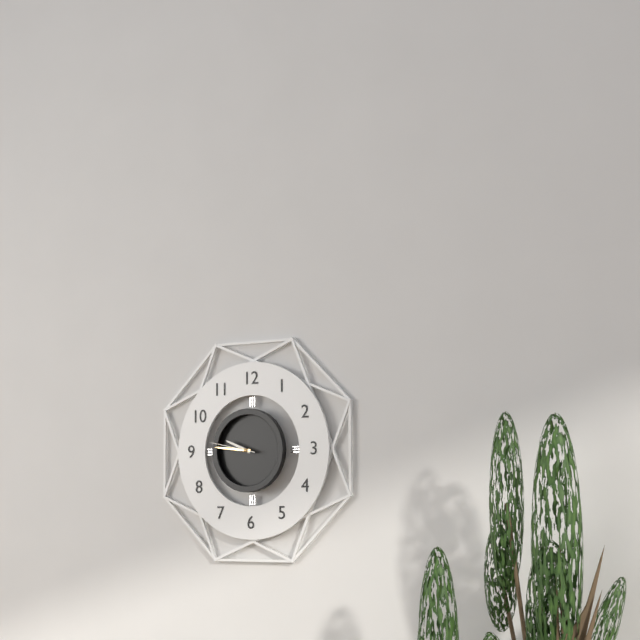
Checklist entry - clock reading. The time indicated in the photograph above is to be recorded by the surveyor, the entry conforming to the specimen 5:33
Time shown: 9:46
